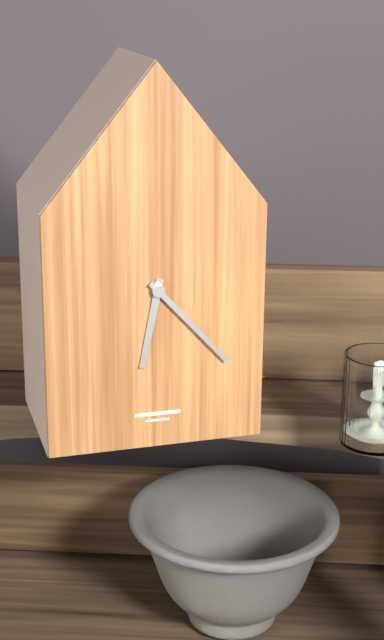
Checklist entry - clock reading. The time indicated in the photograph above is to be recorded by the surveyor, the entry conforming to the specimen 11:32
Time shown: 6:23
